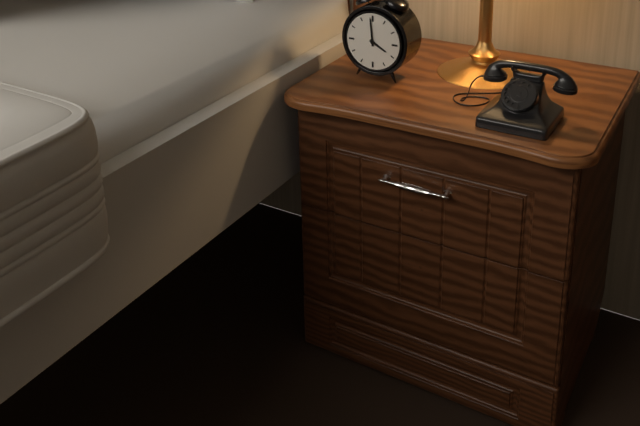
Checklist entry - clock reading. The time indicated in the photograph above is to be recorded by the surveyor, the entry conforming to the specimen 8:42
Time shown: 3:59
